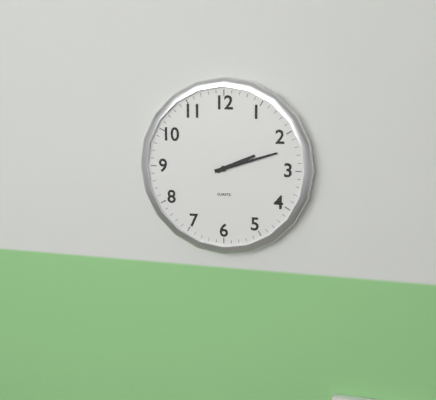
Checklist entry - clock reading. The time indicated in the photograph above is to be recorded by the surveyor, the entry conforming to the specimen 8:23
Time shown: 2:12
